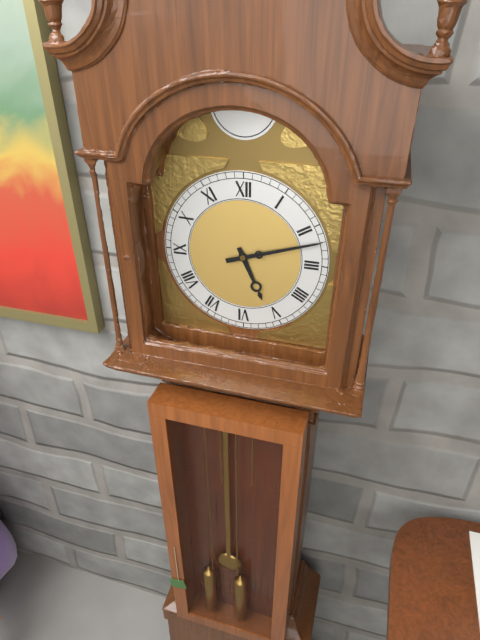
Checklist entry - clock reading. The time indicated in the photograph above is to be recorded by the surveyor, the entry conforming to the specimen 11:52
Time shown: 5:12
